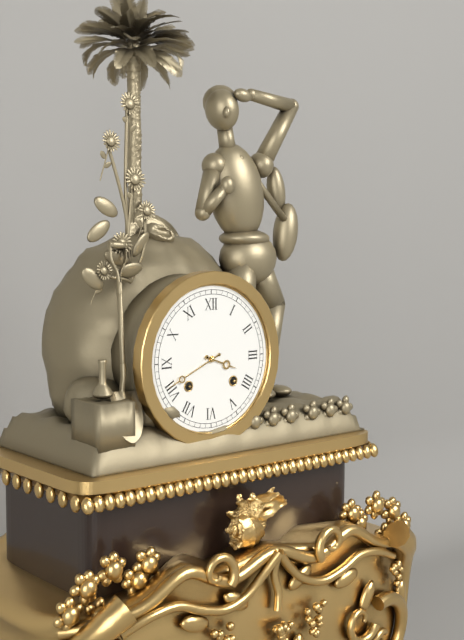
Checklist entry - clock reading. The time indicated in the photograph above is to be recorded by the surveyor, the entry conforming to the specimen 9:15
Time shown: 3:41
